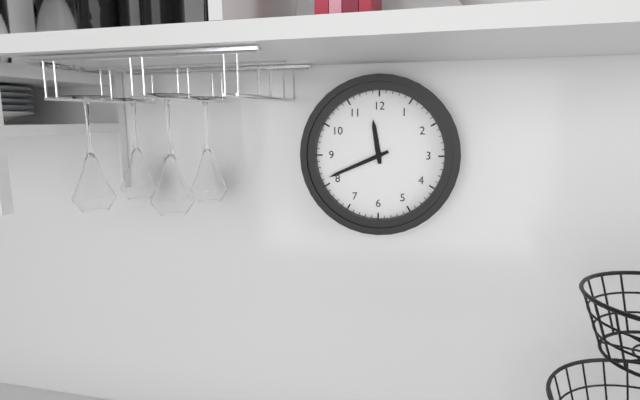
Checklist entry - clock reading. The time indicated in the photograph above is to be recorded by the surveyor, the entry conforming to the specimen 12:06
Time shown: 11:41
